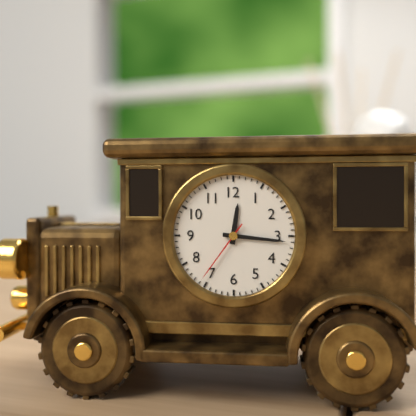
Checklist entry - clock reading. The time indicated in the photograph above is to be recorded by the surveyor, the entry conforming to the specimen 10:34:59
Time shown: 12:16:36
